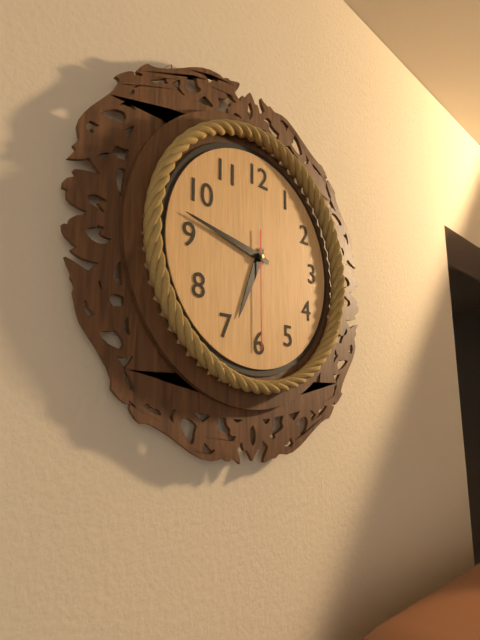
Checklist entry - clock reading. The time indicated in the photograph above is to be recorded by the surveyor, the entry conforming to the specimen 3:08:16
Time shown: 6:47:30
